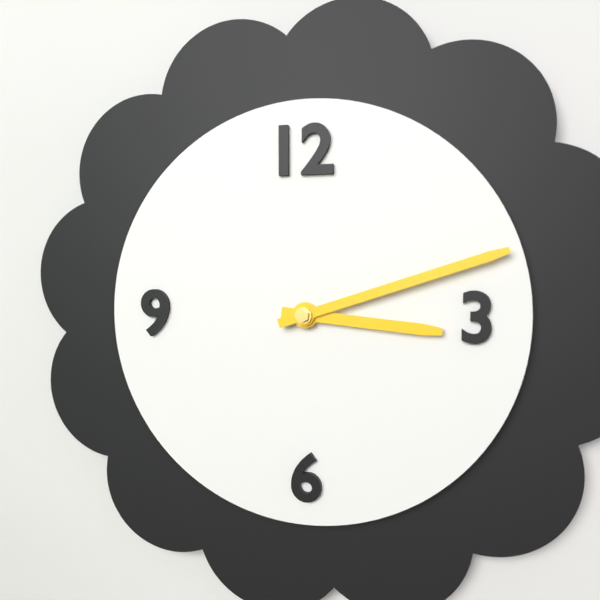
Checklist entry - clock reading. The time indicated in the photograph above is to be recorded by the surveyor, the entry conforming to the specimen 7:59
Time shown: 3:12
